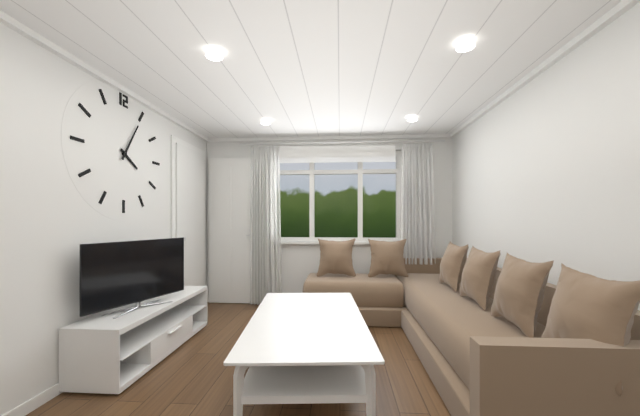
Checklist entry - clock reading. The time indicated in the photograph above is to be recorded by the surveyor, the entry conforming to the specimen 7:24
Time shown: 4:05
